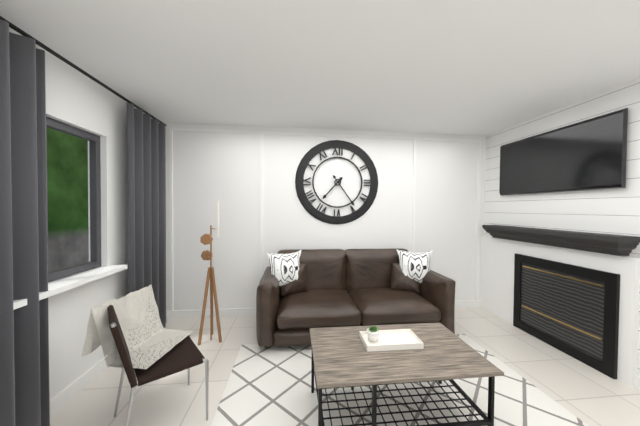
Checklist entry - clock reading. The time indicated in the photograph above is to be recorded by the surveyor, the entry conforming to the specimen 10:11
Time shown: 7:24
